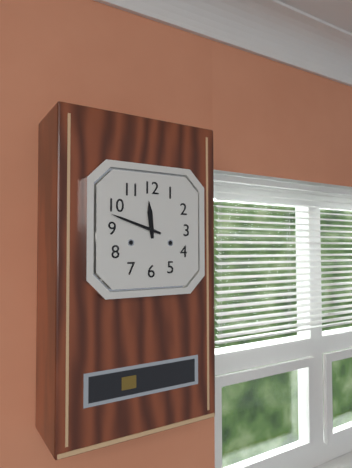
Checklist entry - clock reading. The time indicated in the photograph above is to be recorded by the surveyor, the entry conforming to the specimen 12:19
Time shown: 11:48
